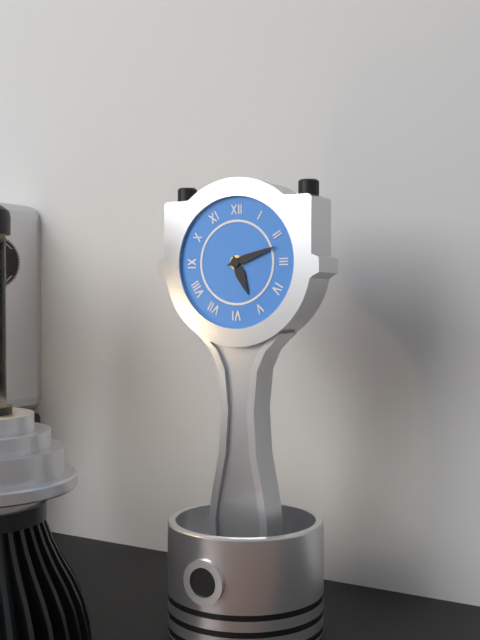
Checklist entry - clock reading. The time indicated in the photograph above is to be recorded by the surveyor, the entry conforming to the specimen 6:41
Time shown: 5:12
